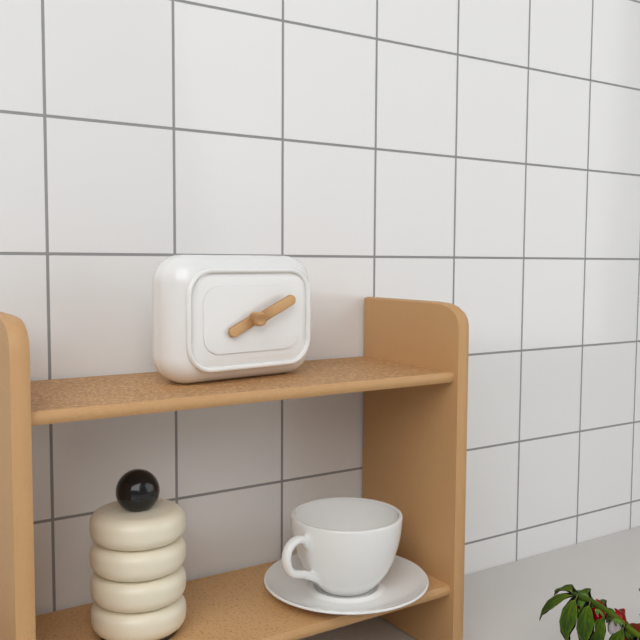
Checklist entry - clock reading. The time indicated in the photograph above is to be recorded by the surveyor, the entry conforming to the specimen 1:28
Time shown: 8:11
